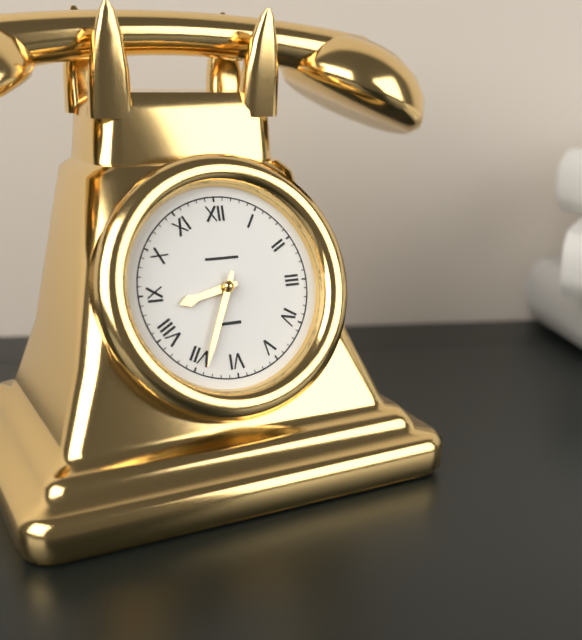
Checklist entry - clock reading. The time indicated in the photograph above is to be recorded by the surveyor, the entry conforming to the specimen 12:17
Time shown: 8:34
